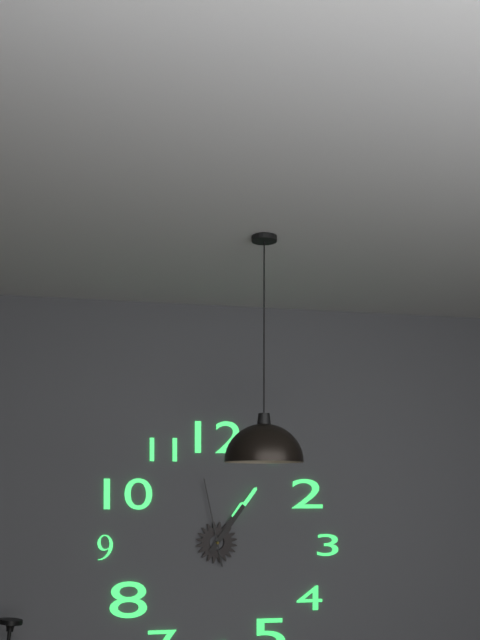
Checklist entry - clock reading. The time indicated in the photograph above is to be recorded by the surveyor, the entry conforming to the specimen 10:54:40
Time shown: 1:06:58
